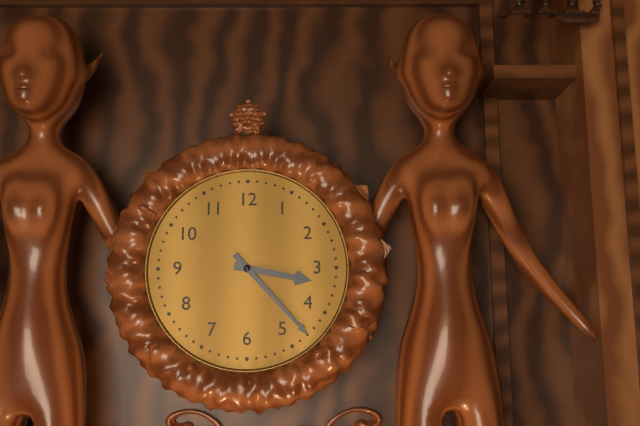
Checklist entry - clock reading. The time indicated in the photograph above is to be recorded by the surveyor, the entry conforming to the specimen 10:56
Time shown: 3:23
